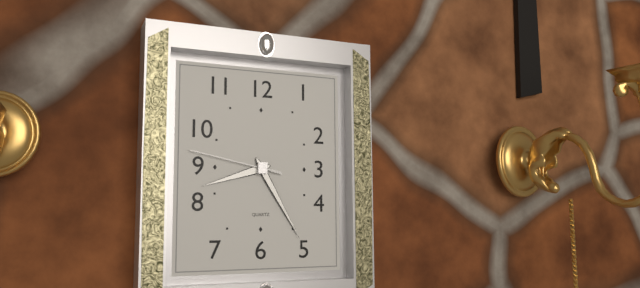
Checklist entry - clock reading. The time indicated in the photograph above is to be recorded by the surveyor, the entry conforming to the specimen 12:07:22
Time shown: 8:25:47
